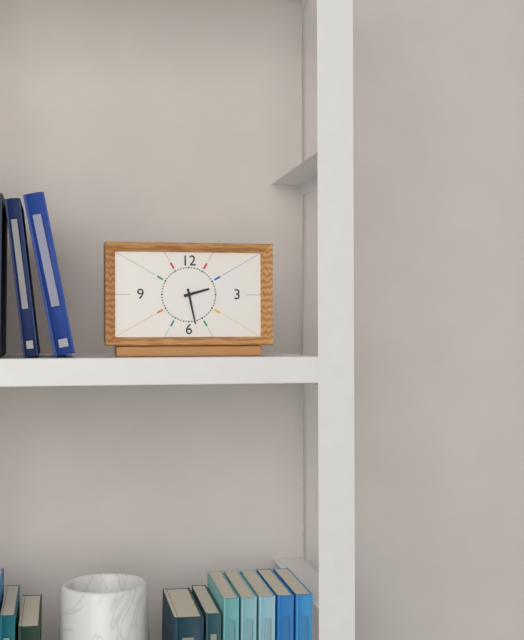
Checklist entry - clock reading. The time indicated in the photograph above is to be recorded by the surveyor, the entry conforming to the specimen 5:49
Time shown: 2:28
